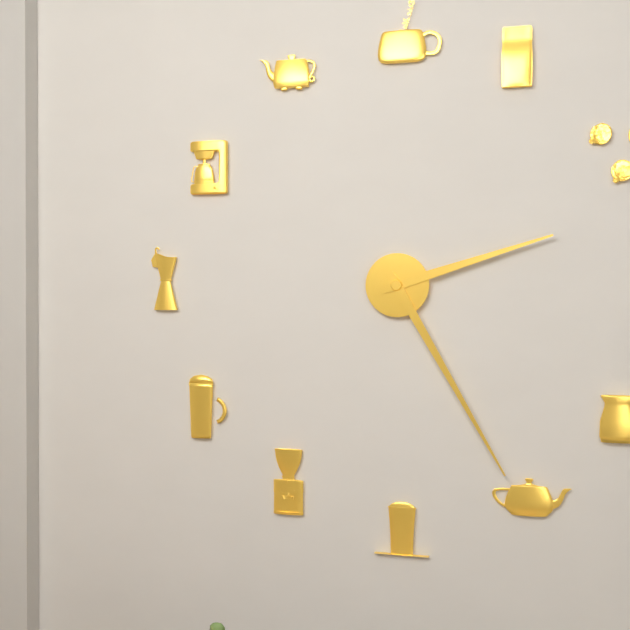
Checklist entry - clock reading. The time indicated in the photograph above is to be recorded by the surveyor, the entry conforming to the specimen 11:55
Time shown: 2:25
